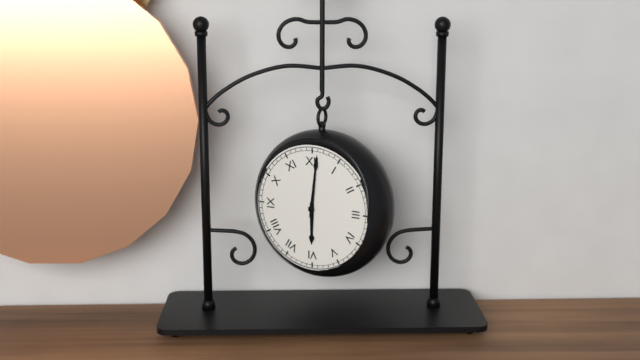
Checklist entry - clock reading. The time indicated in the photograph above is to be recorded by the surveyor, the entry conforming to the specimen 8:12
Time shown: 6:01
